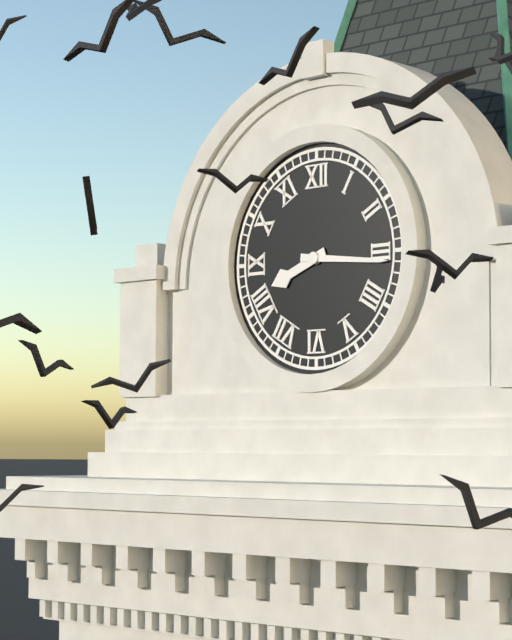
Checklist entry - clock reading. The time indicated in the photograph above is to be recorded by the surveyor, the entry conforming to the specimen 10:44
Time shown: 8:16
